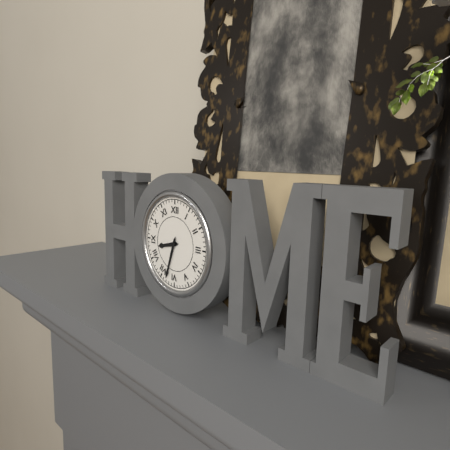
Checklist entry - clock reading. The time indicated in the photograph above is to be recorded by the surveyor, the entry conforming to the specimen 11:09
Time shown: 8:33
